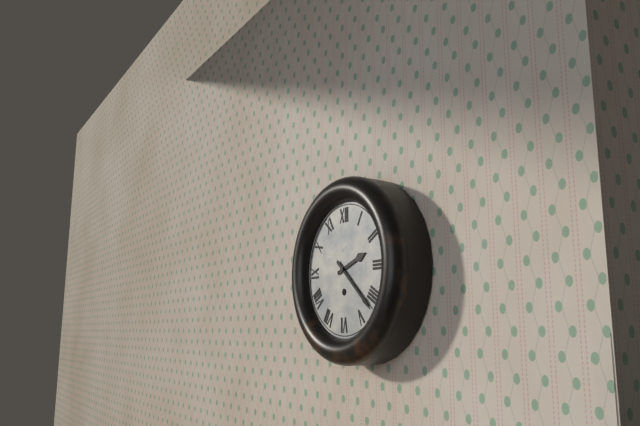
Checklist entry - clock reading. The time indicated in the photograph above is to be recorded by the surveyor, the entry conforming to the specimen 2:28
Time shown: 2:22
